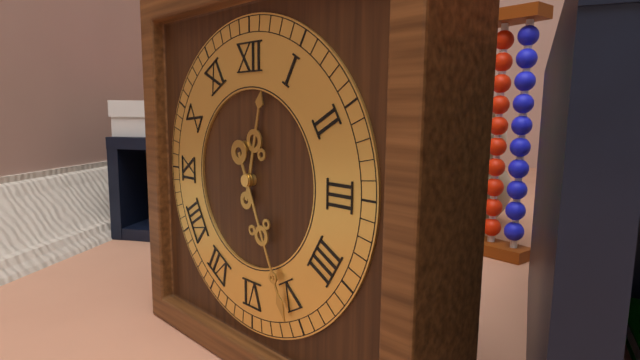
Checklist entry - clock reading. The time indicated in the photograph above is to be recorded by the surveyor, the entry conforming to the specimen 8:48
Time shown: 12:26
